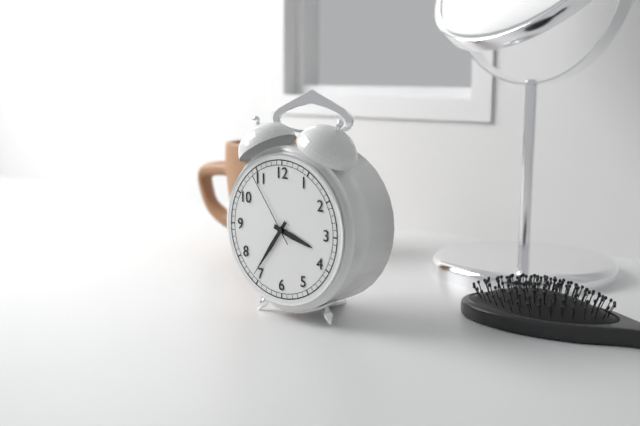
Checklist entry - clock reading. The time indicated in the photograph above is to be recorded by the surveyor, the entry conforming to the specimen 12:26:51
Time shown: 3:36:54
